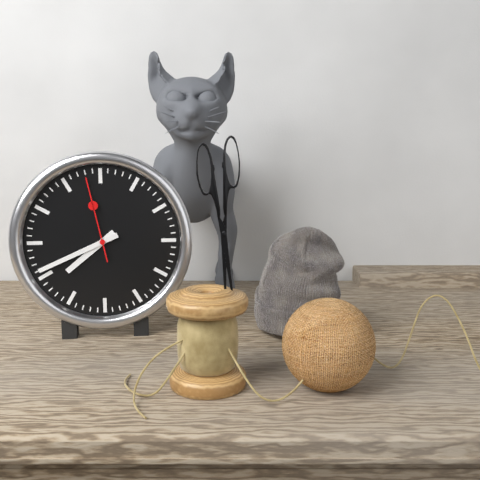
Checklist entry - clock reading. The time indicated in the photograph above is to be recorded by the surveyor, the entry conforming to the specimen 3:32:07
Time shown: 7:41:58
